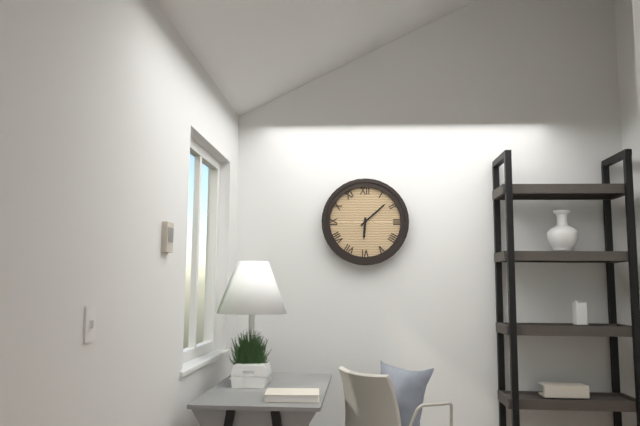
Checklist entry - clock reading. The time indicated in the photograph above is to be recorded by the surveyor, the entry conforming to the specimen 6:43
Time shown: 6:08
